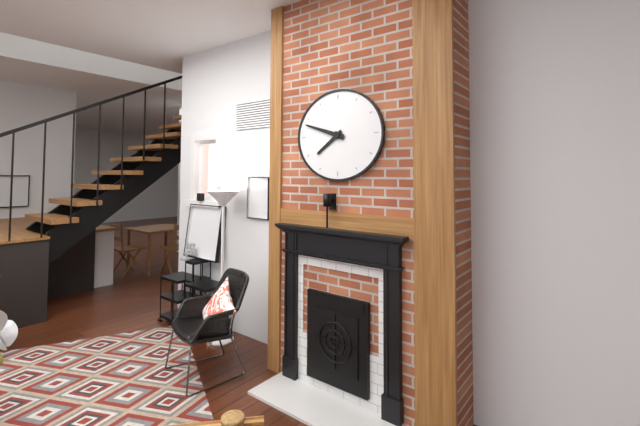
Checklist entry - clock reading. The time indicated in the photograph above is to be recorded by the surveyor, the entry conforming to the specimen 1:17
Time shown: 7:48
